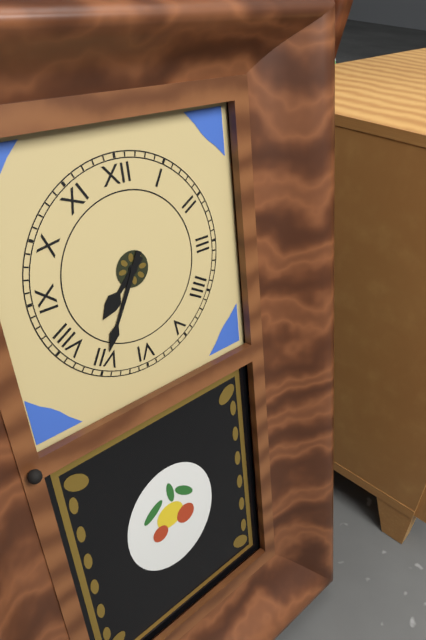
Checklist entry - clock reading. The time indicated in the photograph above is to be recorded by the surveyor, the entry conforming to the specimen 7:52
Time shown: 7:35
